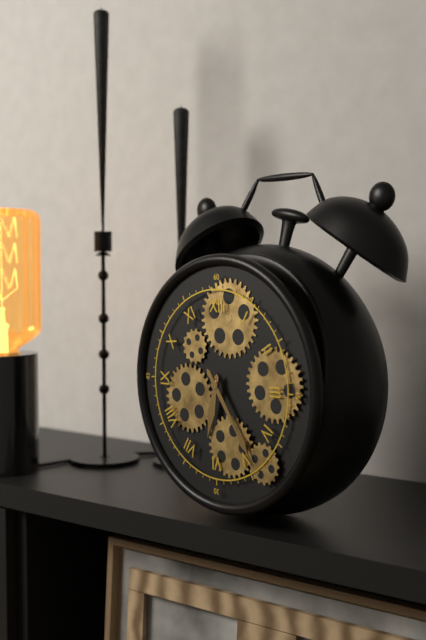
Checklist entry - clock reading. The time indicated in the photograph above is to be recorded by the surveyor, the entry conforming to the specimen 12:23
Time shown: 6:24
